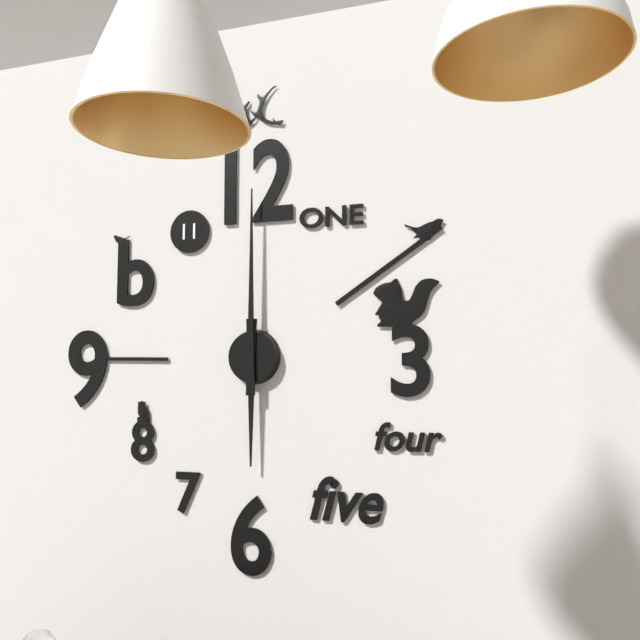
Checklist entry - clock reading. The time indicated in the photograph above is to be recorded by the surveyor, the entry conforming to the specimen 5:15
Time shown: 6:00
